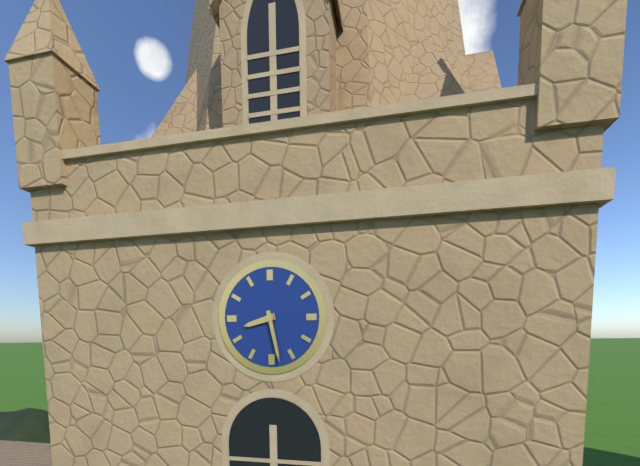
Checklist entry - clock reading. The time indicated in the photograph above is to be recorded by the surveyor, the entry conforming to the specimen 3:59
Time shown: 8:28
